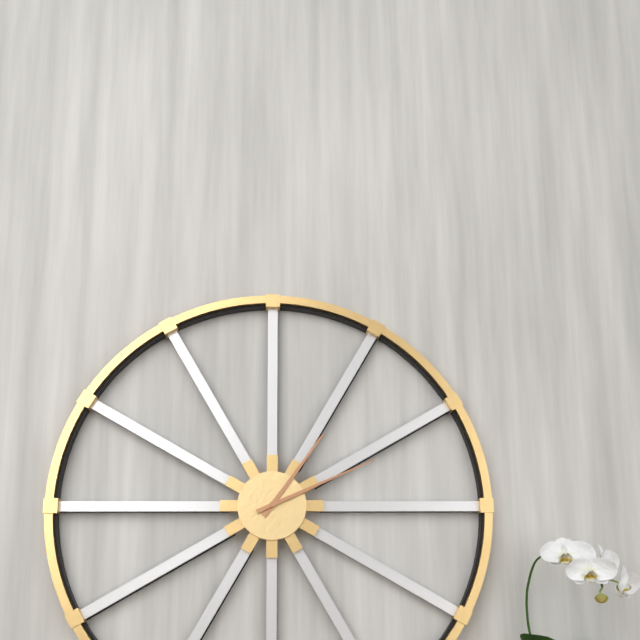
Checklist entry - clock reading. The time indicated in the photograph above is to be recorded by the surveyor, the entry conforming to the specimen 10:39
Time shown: 1:11
